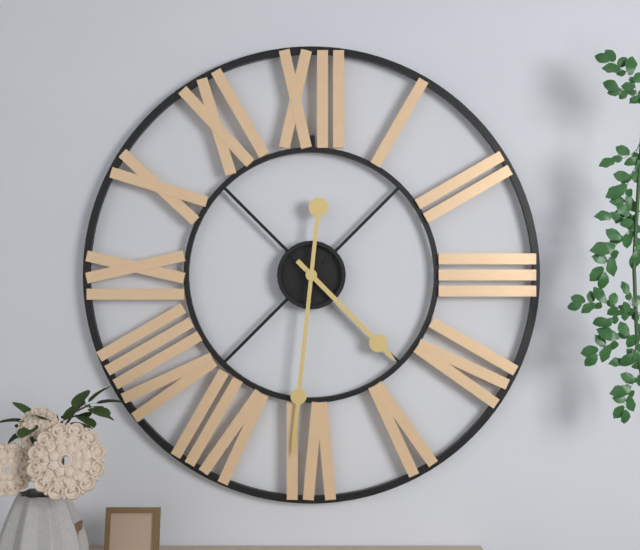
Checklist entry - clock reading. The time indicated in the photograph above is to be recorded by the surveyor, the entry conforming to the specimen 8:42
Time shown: 4:31
